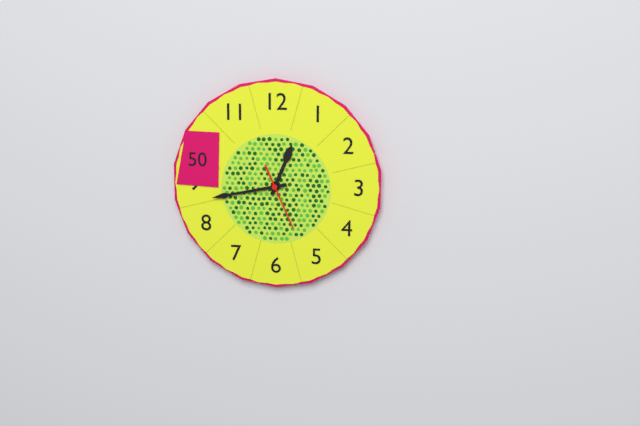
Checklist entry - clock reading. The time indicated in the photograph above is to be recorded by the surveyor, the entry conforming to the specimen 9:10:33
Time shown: 12:43:26
